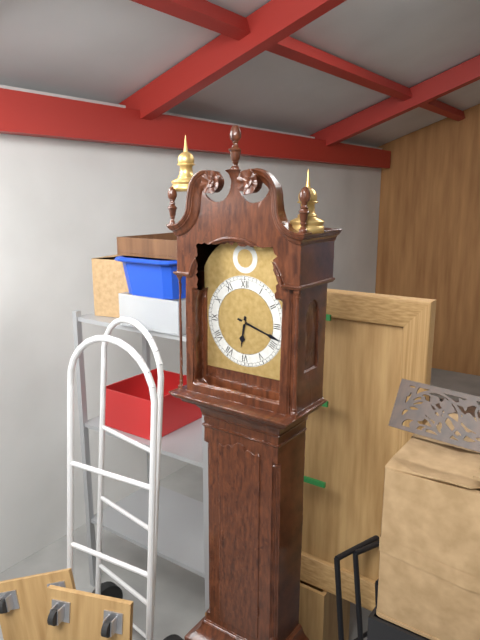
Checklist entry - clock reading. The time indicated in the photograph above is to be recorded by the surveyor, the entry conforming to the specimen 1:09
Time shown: 6:18
